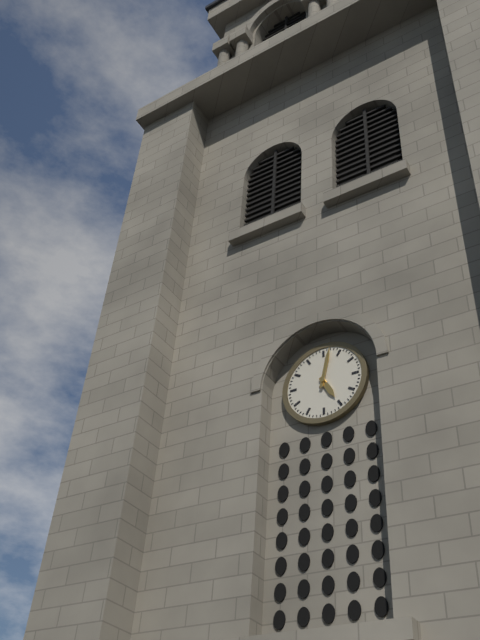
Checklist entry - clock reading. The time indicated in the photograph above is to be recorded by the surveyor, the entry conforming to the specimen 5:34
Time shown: 5:02
